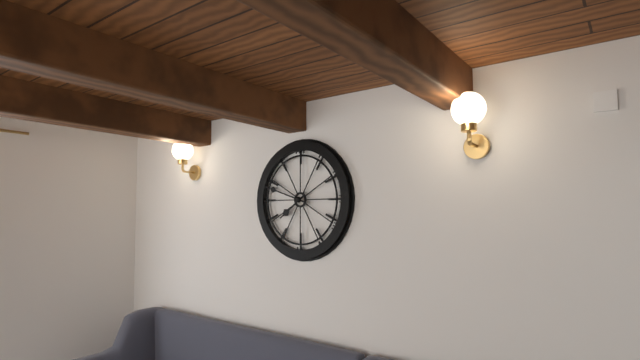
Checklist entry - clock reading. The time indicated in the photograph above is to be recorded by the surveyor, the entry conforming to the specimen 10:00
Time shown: 7:48
